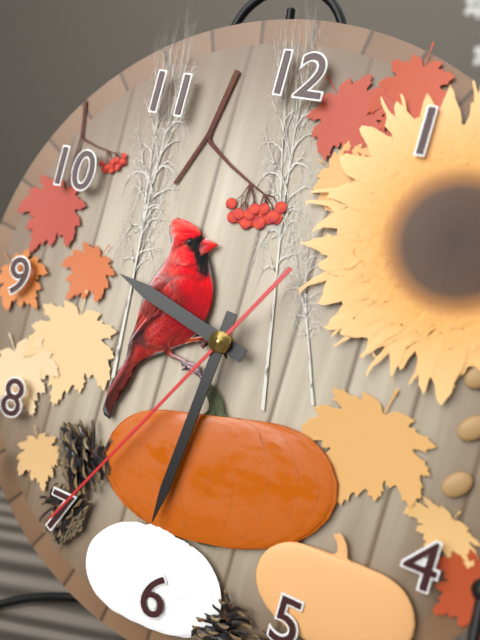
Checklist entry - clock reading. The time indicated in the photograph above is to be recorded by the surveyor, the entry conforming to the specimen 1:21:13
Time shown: 9:31:35
